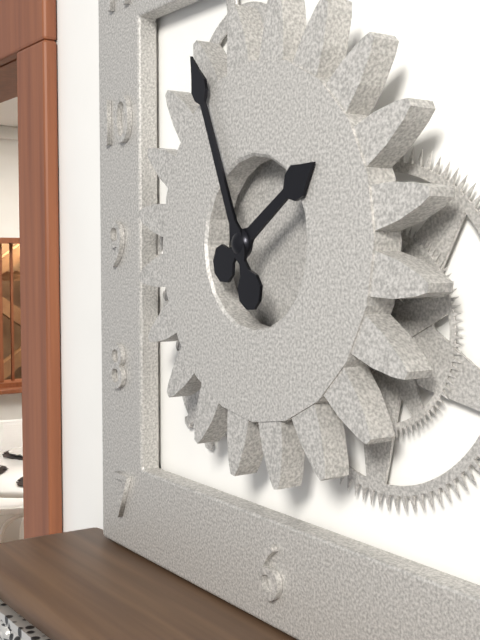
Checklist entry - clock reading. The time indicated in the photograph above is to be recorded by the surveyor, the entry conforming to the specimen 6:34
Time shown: 1:56
